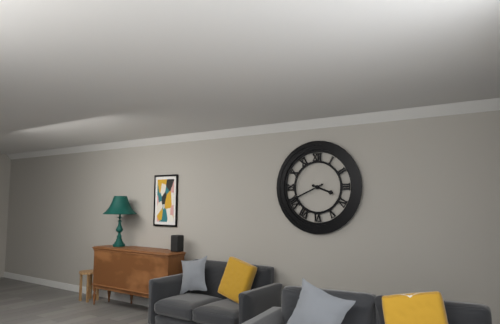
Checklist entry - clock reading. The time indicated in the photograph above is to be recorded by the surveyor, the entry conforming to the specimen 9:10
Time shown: 3:41
